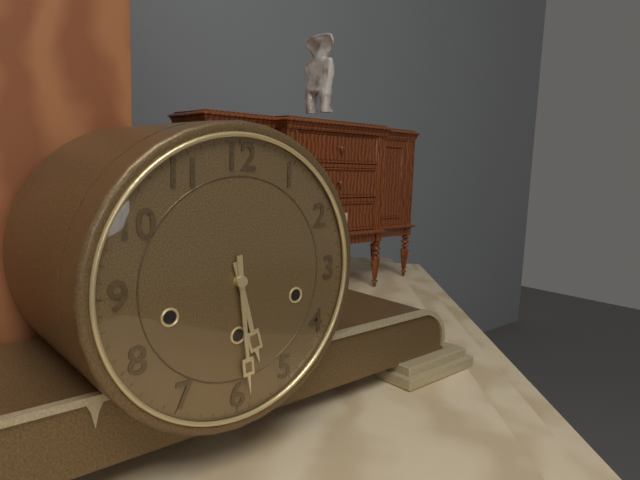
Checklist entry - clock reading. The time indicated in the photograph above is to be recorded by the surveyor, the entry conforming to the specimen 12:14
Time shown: 5:29
